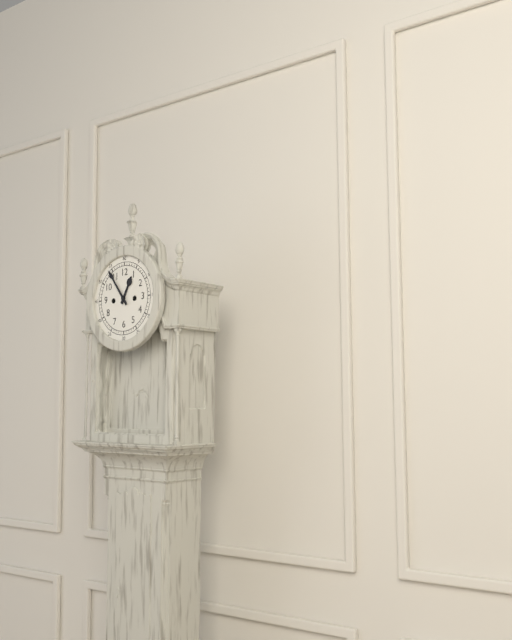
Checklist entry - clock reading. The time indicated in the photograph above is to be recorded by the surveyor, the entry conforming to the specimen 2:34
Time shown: 12:54
